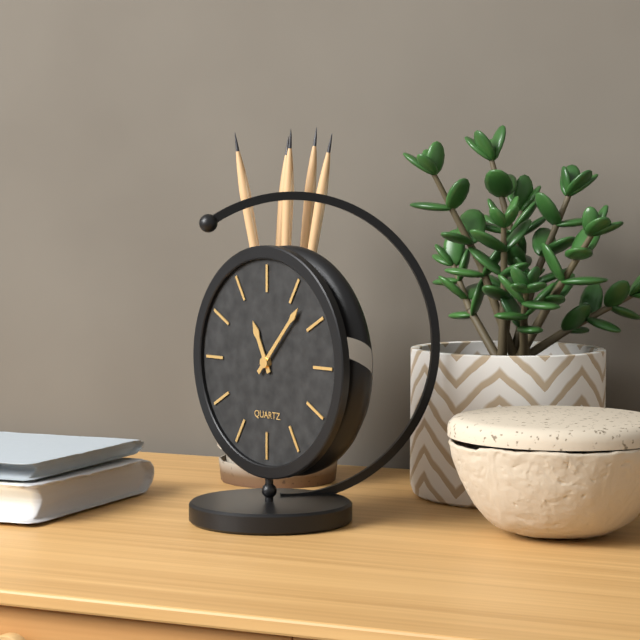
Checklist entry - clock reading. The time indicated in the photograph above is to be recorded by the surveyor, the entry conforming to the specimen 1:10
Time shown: 11:07
